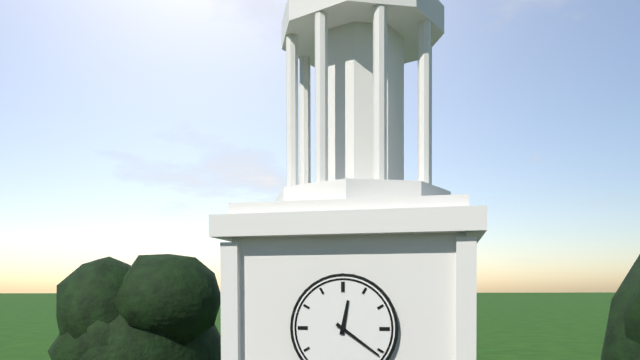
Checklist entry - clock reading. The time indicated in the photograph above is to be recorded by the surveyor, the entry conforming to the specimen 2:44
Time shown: 12:21
